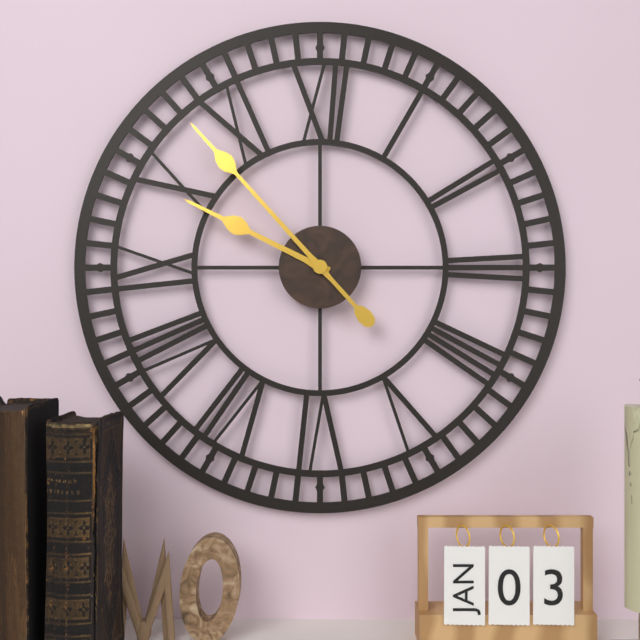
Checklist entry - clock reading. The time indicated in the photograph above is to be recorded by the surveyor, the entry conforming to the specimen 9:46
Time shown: 9:53
